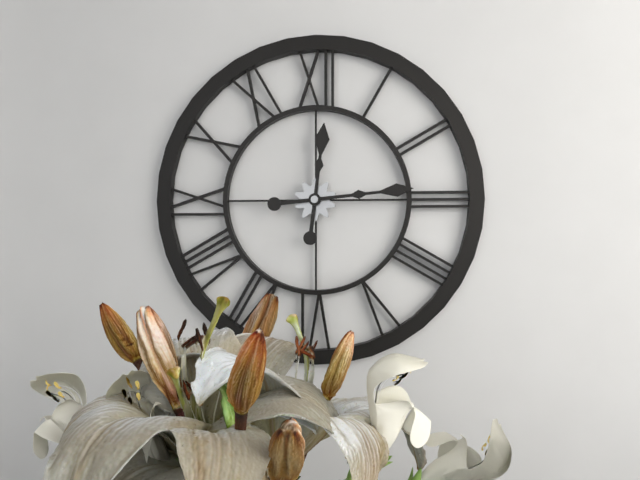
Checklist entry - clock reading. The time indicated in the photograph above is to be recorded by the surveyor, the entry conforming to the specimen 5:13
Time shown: 12:14
